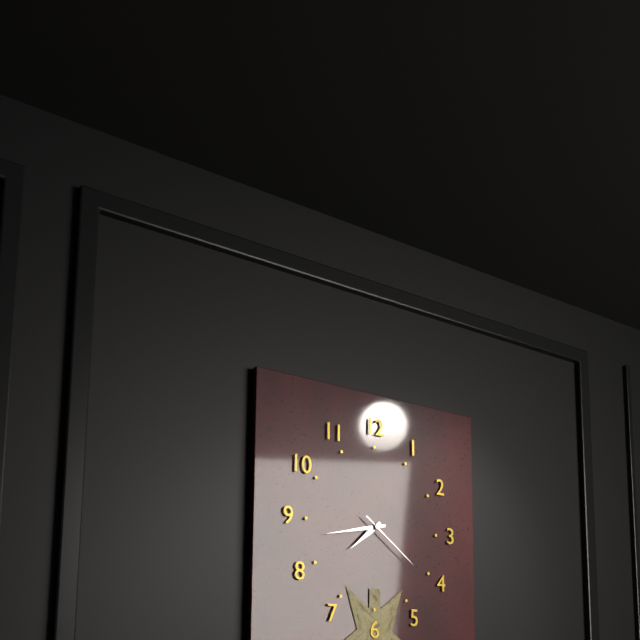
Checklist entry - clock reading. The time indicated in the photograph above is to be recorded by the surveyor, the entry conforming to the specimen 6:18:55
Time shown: 7:43:21
